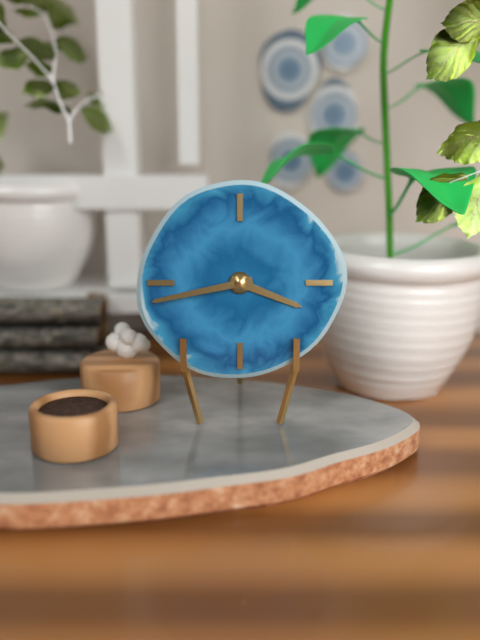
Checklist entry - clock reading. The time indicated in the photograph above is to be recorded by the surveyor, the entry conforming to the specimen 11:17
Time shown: 3:43
